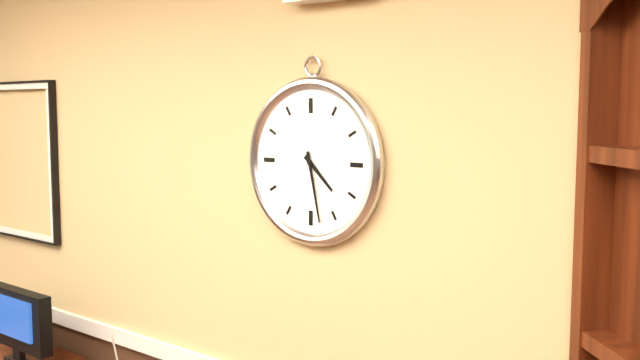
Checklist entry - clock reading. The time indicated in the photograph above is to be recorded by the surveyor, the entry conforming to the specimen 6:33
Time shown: 4:28
